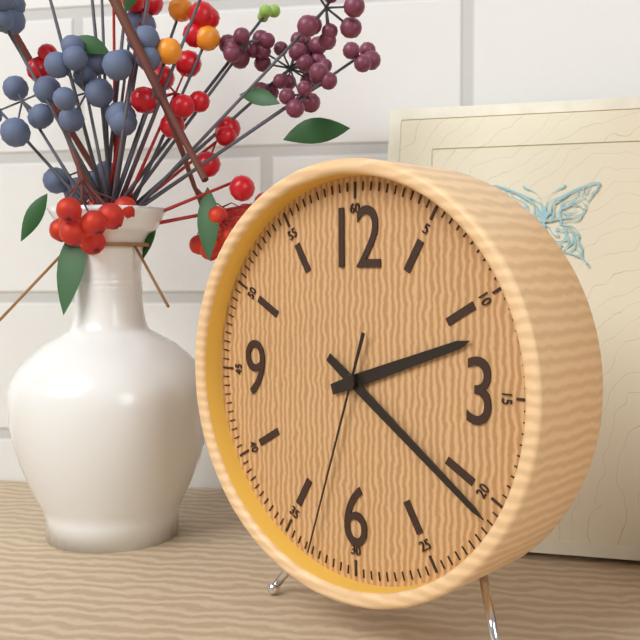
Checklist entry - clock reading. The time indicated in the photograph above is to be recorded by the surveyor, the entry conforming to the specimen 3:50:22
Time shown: 2:21:33
